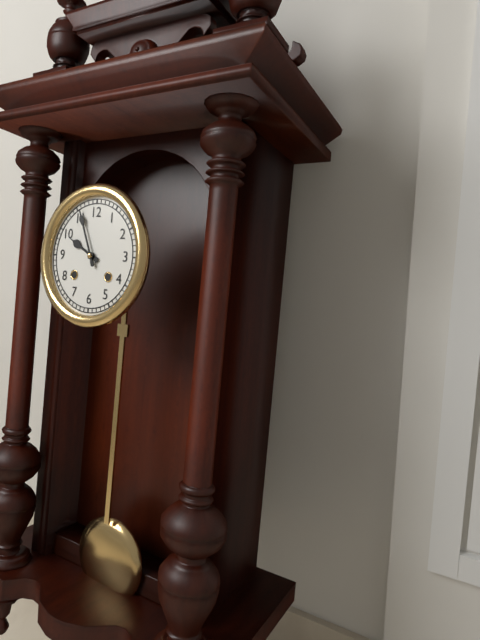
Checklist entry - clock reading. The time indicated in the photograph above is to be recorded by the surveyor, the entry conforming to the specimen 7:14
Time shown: 9:56
